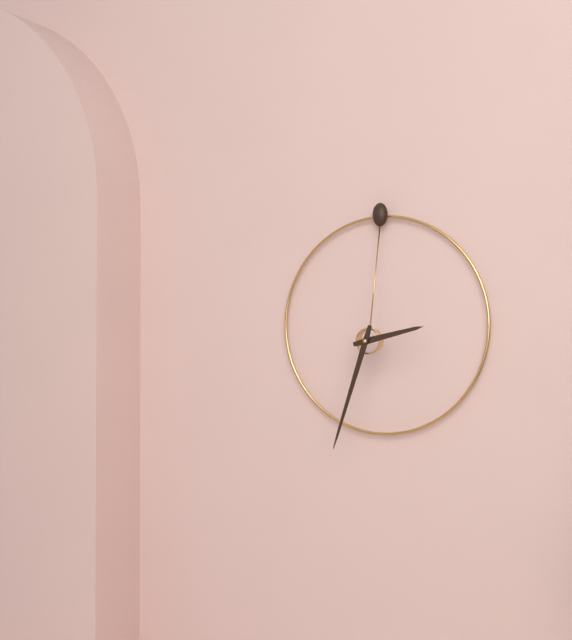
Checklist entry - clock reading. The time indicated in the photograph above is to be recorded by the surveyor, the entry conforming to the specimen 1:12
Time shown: 2:33
